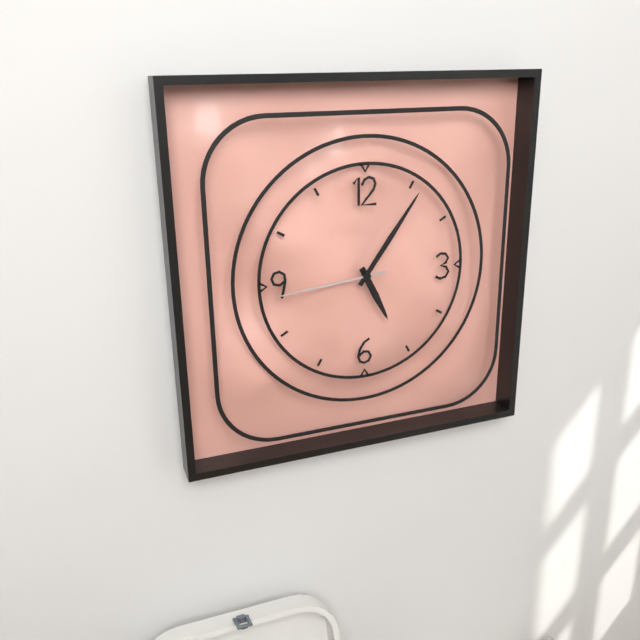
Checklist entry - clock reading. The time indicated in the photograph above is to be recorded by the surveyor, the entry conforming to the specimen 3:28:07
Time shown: 5:06:44
